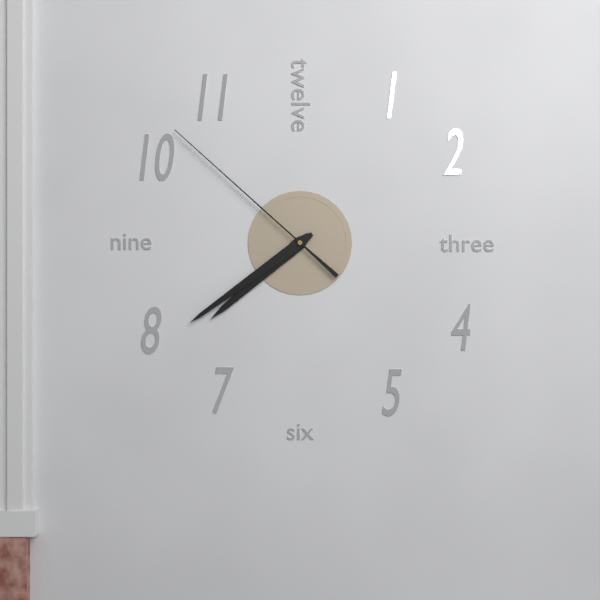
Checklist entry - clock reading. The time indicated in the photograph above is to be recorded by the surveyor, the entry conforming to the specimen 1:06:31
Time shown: 7:39:52
